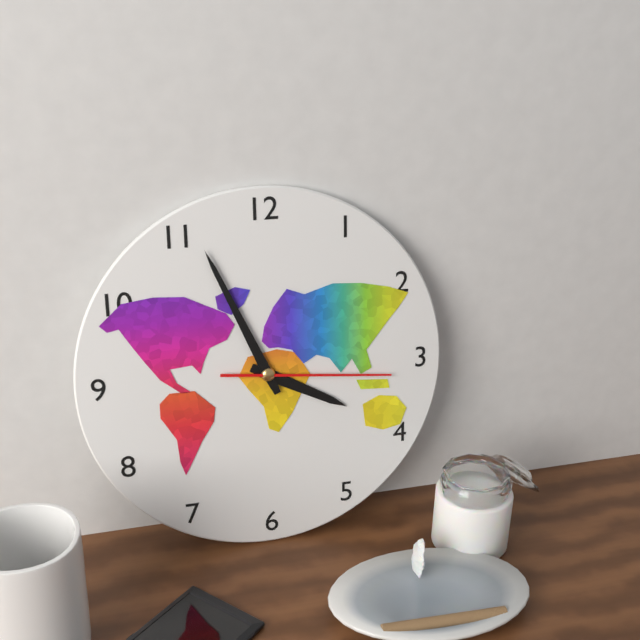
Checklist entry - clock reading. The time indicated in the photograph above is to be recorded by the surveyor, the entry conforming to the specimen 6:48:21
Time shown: 3:56:16
